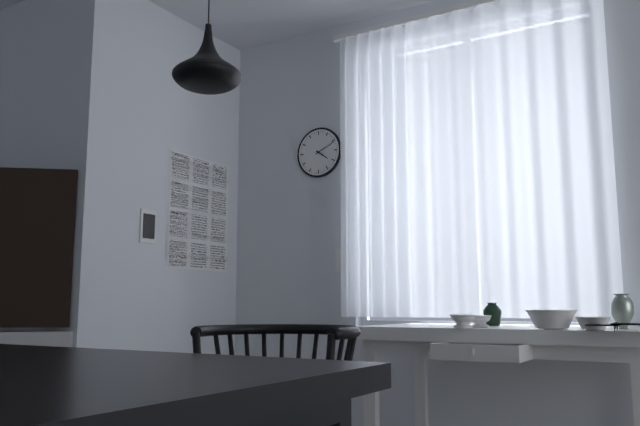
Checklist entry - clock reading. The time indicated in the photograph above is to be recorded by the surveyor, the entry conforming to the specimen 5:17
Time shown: 4:11
